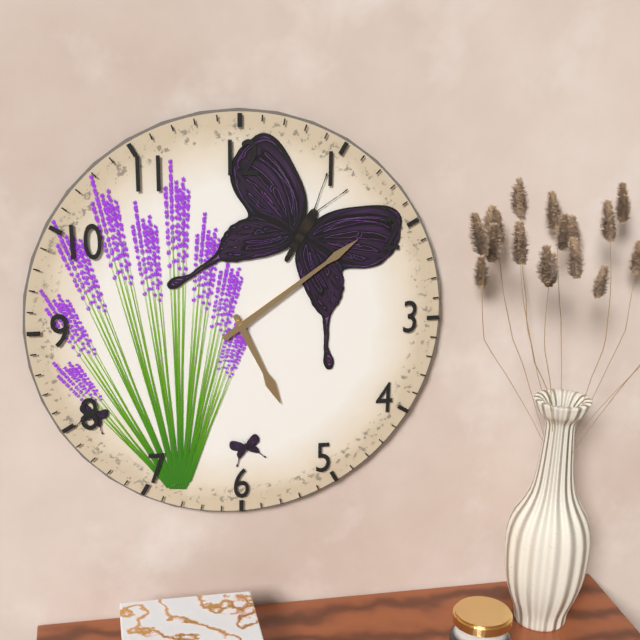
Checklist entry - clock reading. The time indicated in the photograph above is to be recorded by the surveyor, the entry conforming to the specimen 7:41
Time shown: 5:09
